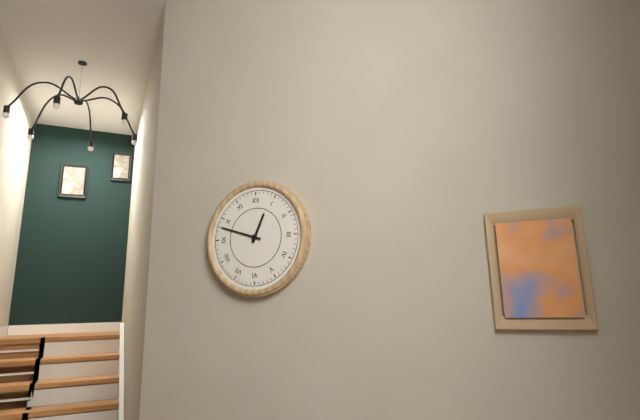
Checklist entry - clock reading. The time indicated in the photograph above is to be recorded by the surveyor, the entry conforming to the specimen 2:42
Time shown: 12:48
